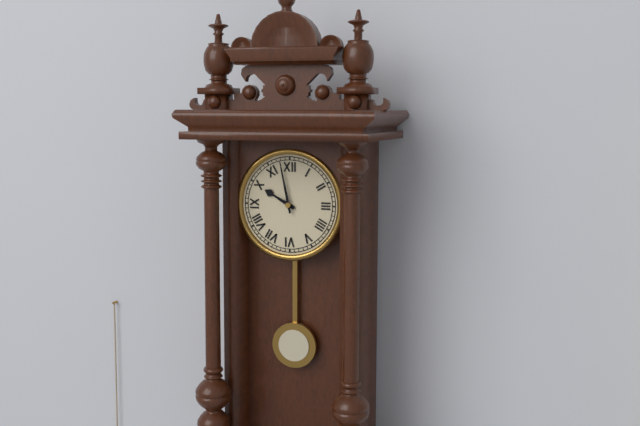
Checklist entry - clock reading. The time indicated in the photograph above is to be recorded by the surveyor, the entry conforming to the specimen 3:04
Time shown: 9:58
